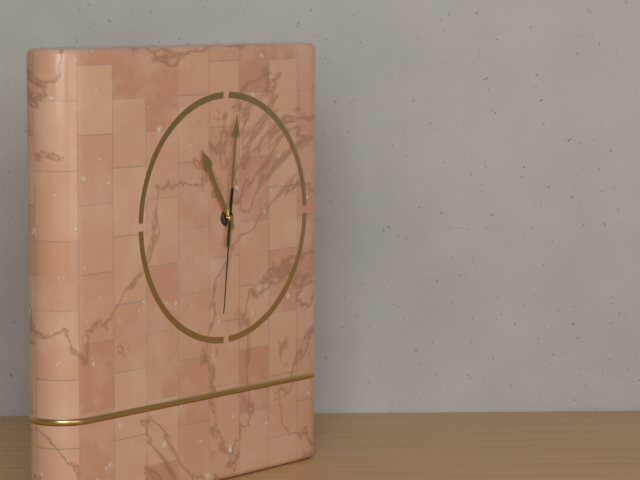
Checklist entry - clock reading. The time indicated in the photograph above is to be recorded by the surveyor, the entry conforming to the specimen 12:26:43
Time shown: 11:01:31
